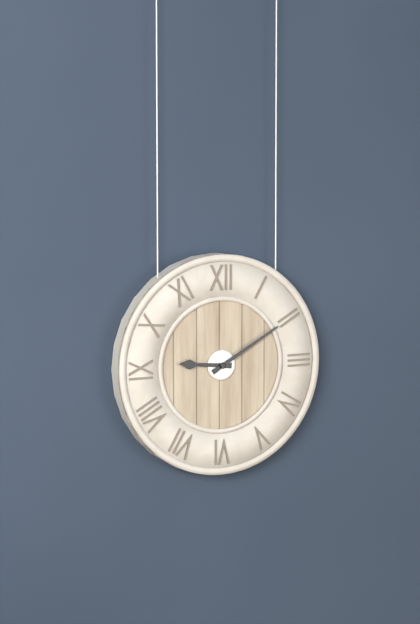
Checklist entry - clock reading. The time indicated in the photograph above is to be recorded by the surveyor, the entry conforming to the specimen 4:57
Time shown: 9:10
